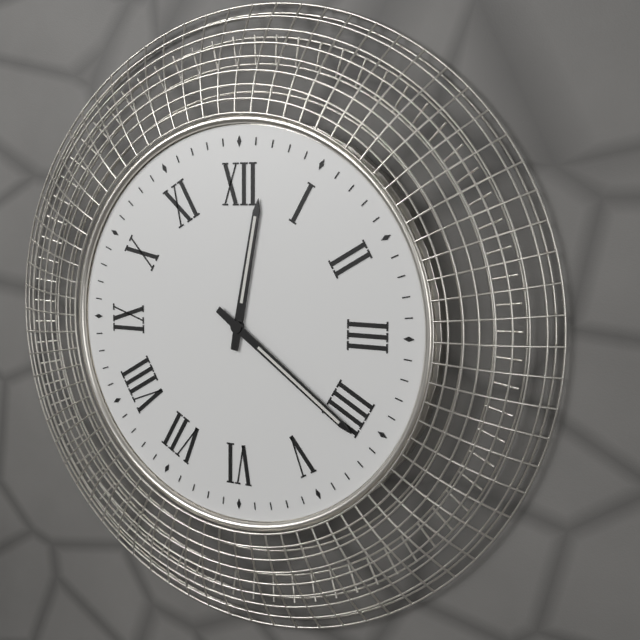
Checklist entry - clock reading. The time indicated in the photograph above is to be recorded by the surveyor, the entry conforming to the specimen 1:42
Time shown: 12:21
